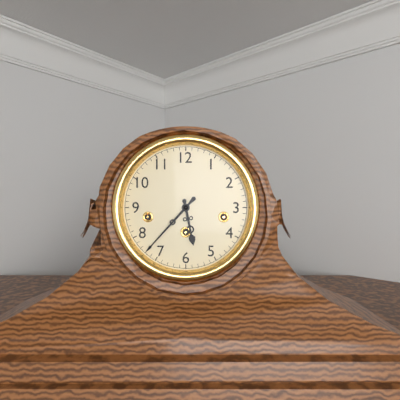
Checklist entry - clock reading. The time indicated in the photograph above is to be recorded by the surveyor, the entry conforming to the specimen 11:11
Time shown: 5:37
